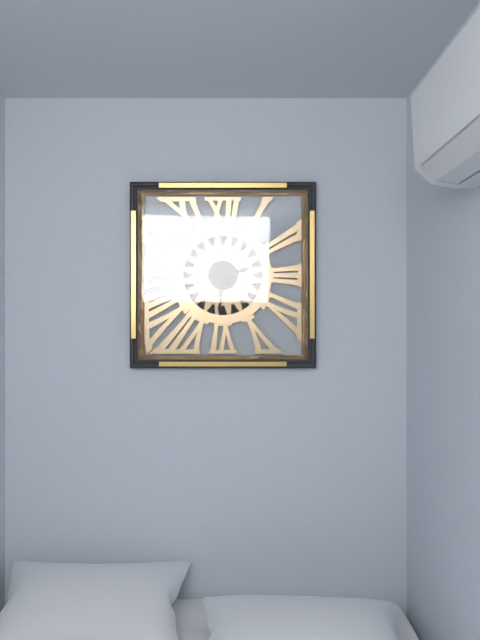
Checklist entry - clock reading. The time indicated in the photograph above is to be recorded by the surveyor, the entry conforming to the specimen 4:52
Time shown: 2:31
